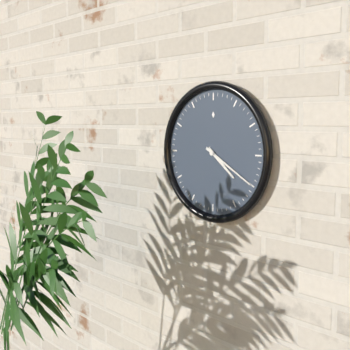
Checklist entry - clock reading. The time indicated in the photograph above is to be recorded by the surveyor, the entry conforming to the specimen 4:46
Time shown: 4:20
